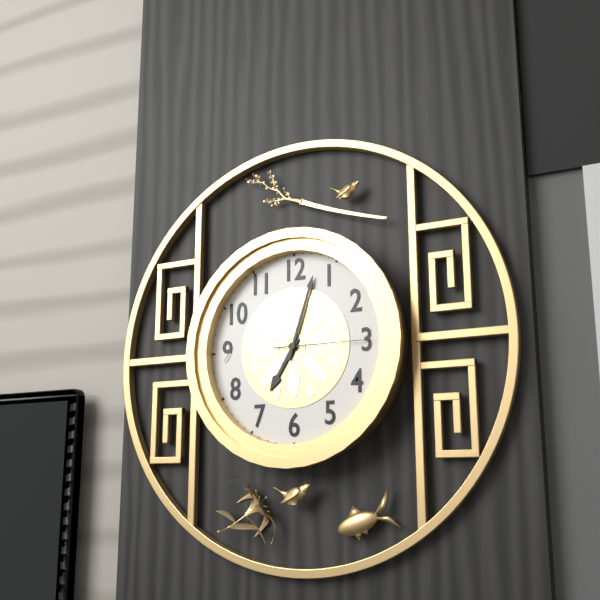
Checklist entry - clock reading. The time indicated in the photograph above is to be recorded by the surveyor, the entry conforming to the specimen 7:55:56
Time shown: 7:03:15
